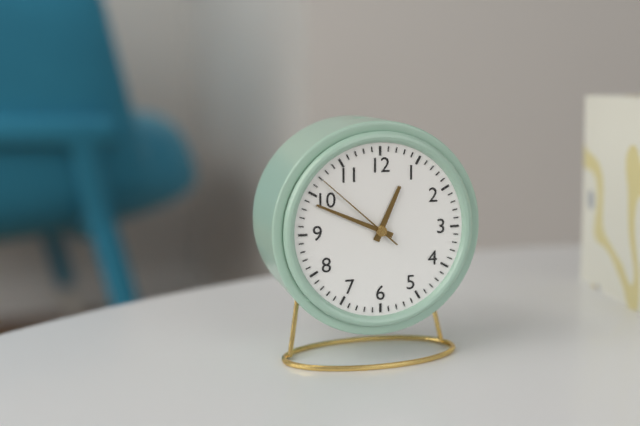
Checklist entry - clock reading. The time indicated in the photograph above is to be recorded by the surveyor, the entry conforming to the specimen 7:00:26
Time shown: 12:49:52
